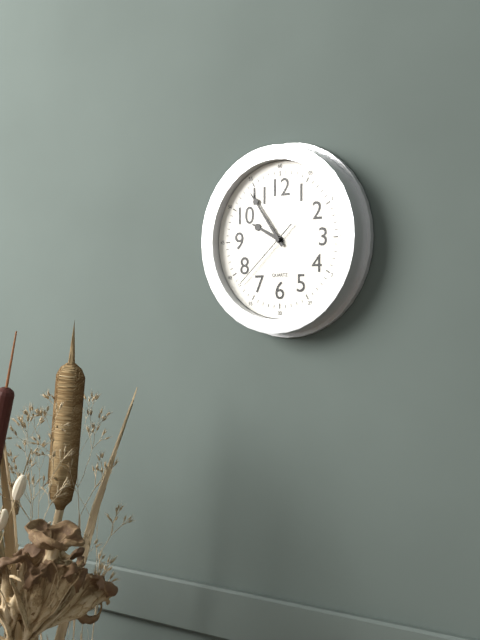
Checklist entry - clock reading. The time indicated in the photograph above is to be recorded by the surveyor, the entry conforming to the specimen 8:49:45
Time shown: 9:54:38
